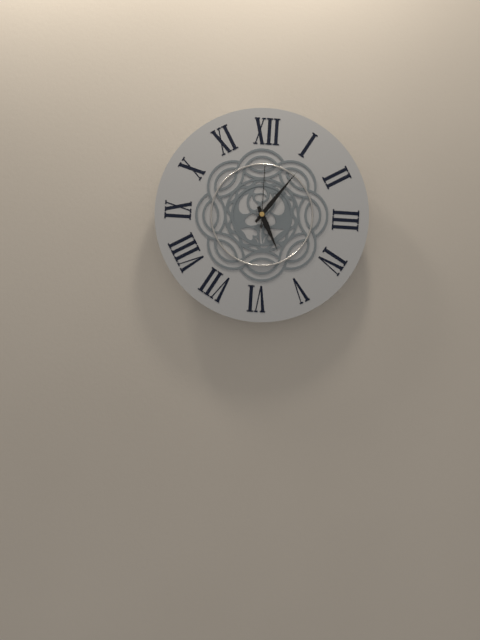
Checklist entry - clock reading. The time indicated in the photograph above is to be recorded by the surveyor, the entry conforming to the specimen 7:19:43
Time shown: 5:06:00
